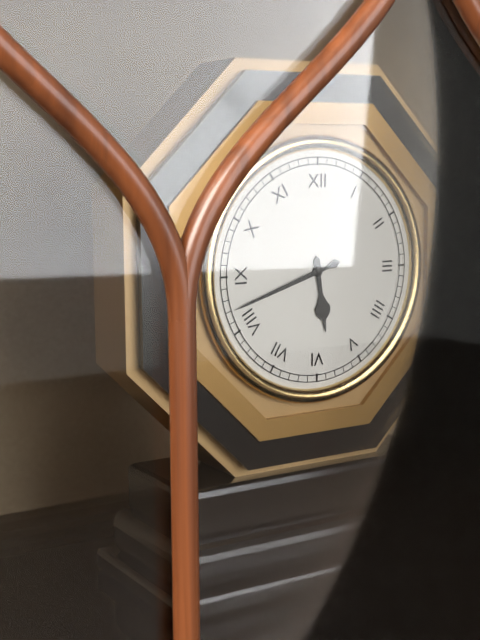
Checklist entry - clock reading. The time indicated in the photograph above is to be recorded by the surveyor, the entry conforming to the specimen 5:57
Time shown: 5:42
